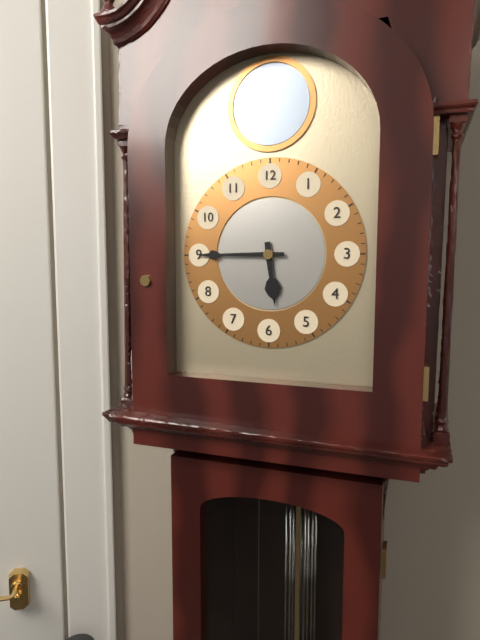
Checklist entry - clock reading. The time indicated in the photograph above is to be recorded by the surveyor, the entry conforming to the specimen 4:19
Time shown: 5:45
